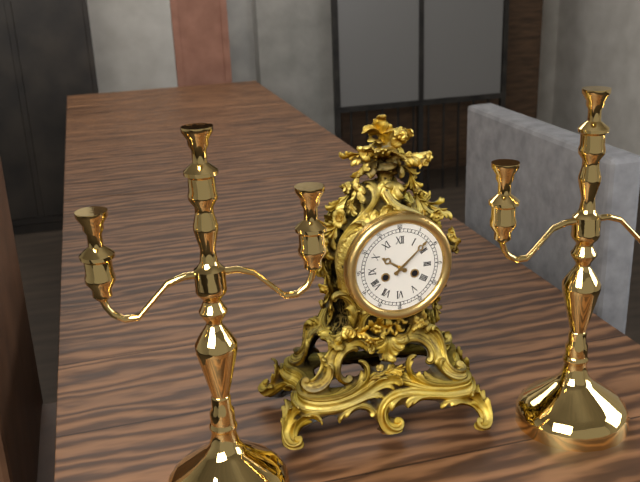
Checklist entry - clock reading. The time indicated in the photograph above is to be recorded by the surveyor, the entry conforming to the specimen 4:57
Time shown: 10:08
